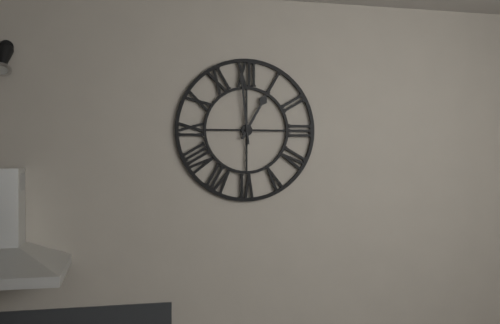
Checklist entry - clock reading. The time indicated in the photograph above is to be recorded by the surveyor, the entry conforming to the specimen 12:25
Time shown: 12:59
